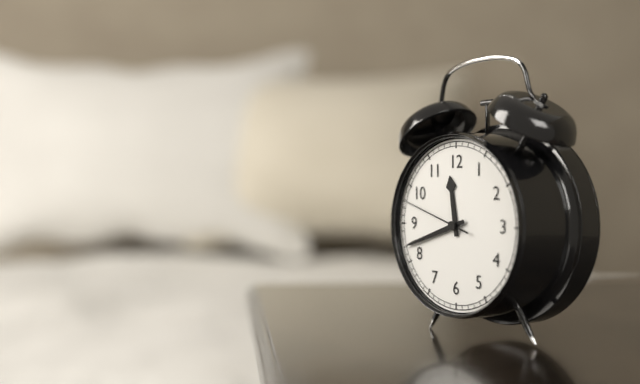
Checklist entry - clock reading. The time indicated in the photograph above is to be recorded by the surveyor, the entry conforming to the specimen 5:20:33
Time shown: 11:42:48
